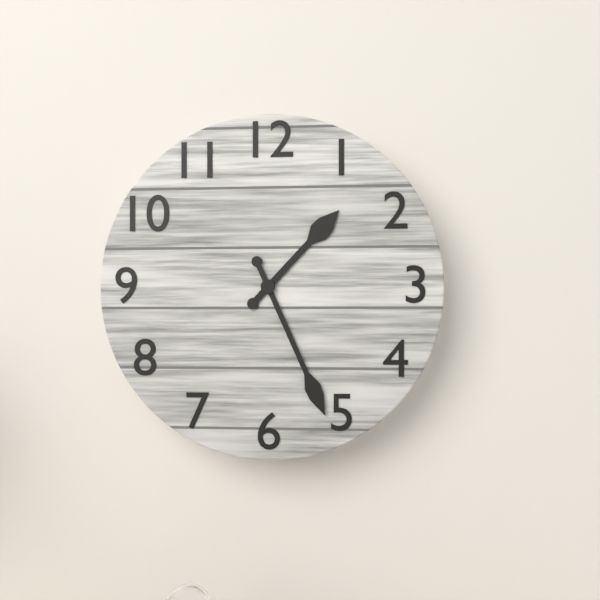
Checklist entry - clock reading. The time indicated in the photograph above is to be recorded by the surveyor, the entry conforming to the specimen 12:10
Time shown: 1:26
